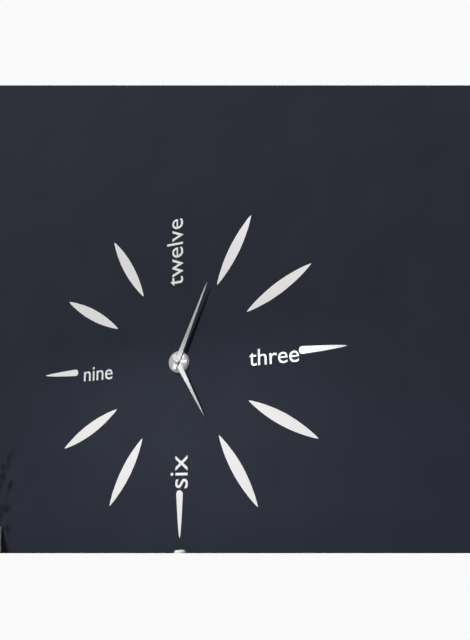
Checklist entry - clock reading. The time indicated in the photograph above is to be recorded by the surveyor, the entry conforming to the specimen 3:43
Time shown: 5:04
